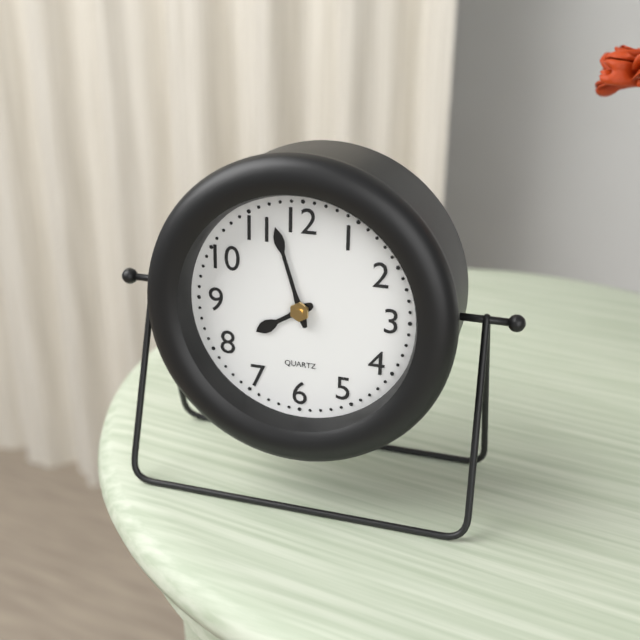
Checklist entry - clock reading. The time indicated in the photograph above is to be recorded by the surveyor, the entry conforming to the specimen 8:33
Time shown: 7:57
